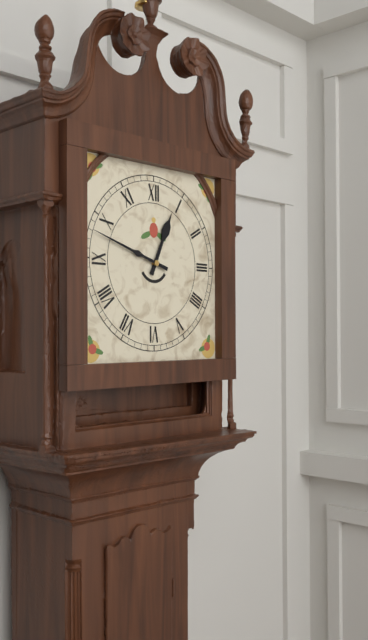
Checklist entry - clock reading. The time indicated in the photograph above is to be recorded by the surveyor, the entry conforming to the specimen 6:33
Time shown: 12:48
